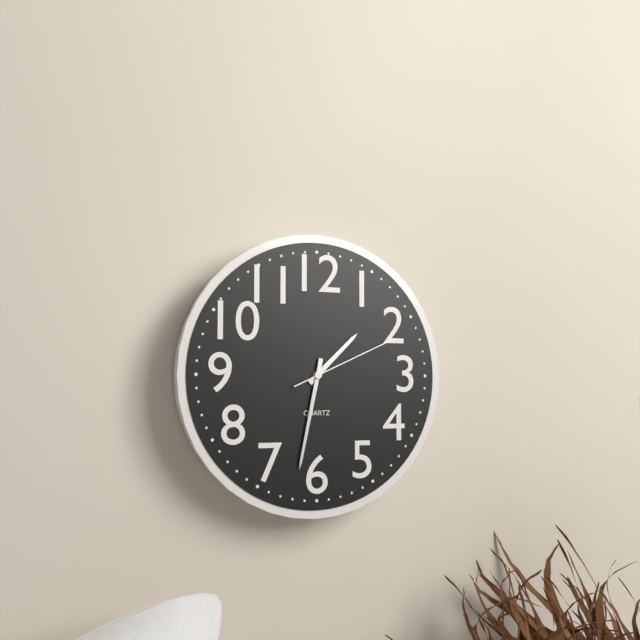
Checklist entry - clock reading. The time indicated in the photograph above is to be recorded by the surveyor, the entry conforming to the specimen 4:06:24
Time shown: 1:32:11
